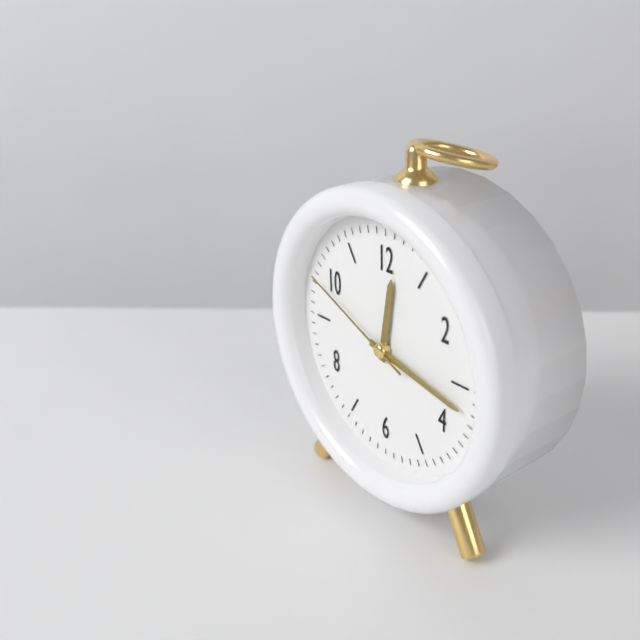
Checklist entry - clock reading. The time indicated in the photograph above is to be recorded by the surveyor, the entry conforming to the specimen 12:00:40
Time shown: 12:17:49
